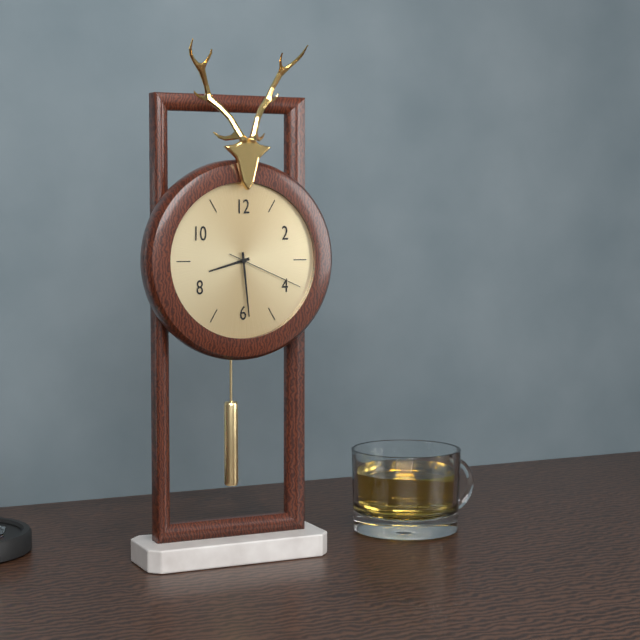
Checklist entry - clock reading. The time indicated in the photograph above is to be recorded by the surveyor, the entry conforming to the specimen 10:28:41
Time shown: 8:29:19
